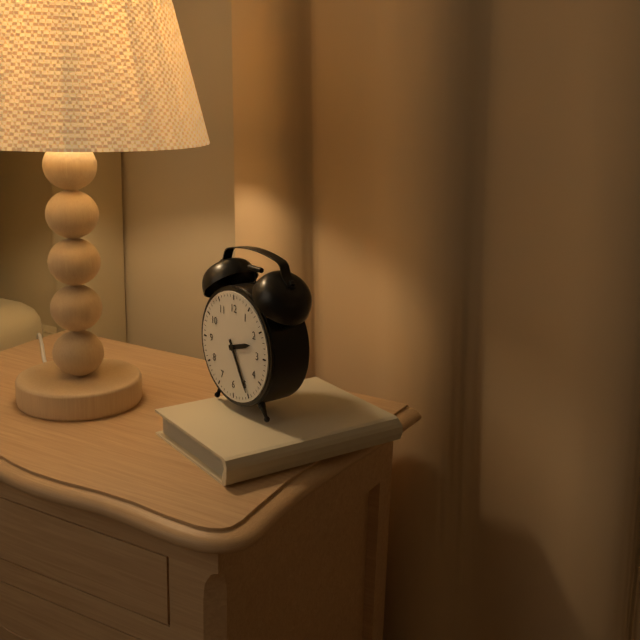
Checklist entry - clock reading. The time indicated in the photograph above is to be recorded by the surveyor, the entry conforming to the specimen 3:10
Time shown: 2:25
